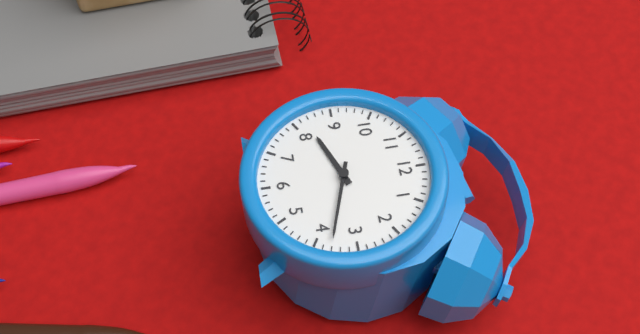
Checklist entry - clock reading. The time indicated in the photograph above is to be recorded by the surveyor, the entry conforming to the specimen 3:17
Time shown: 8:18
